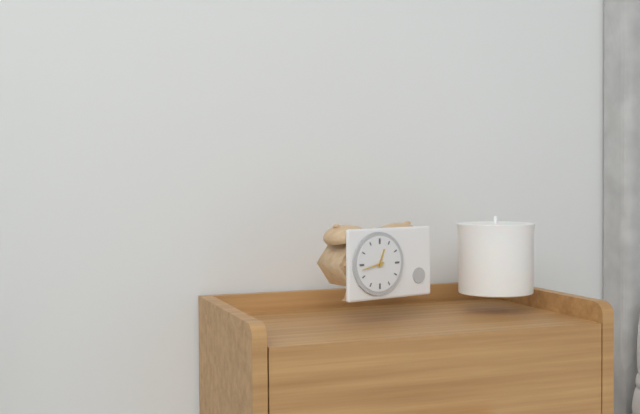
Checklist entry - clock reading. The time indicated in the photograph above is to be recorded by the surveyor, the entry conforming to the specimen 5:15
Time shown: 12:43
